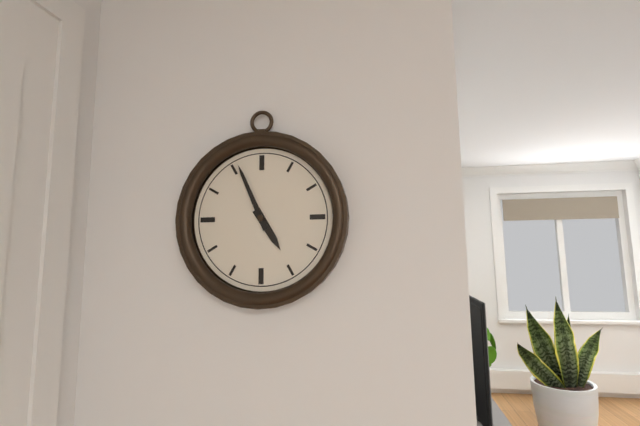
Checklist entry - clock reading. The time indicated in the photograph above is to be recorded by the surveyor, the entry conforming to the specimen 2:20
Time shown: 4:56
